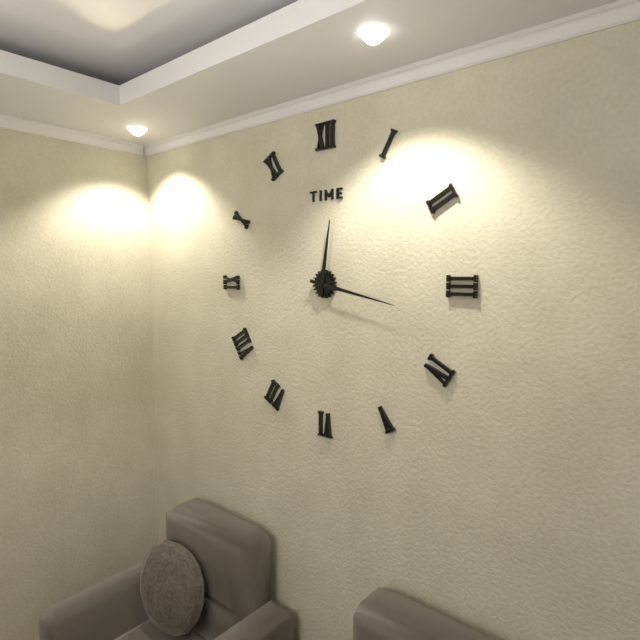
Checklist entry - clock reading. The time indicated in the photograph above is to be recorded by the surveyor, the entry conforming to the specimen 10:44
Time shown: 12:17
